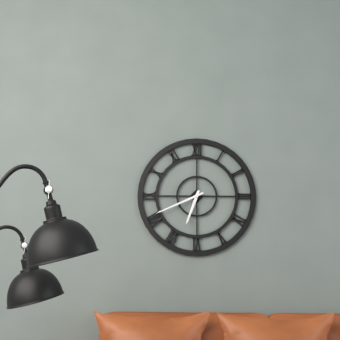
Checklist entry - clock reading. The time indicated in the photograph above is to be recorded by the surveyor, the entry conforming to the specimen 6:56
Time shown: 6:41
